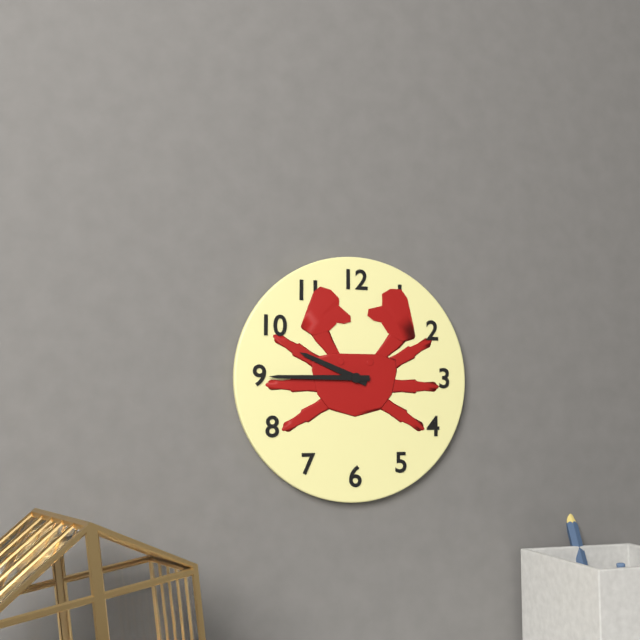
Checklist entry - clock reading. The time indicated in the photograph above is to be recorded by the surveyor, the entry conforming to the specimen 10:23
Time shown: 9:45
